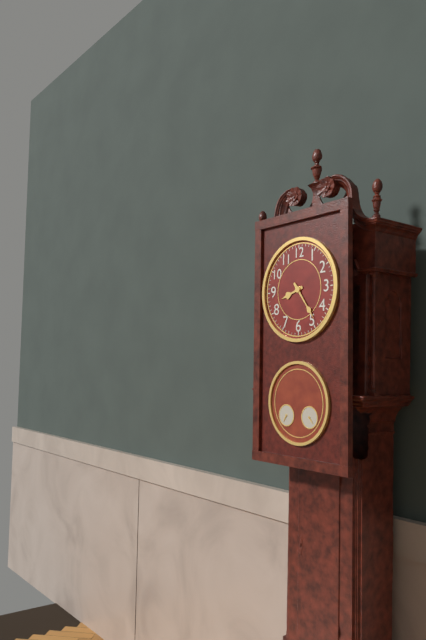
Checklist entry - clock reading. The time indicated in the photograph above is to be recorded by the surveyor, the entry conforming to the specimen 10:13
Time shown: 8:24
